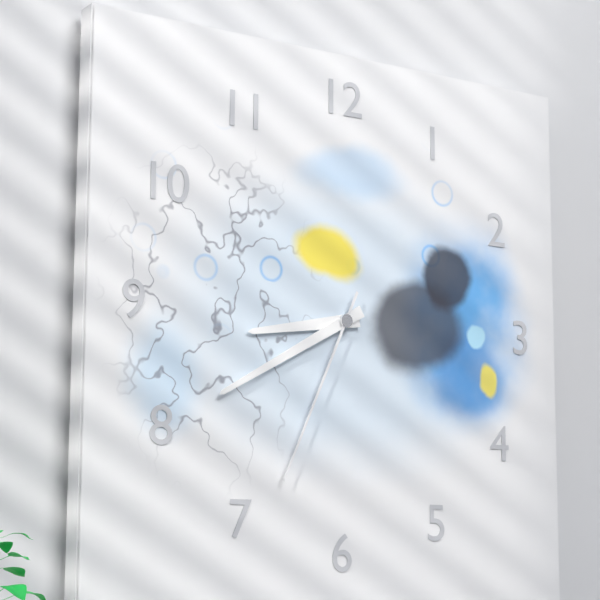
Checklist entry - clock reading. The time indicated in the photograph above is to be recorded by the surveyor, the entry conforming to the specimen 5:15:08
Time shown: 8:40:34
